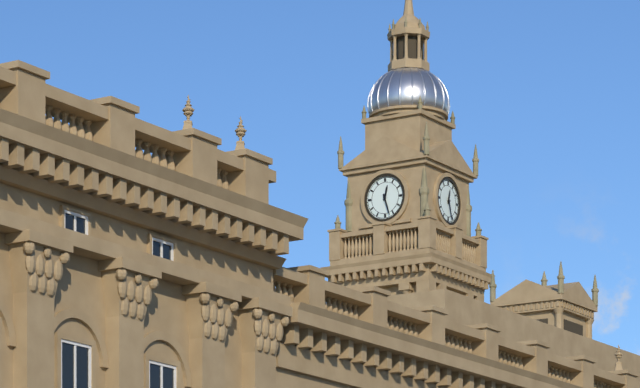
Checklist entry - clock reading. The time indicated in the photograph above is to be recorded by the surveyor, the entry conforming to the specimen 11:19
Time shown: 12:27
